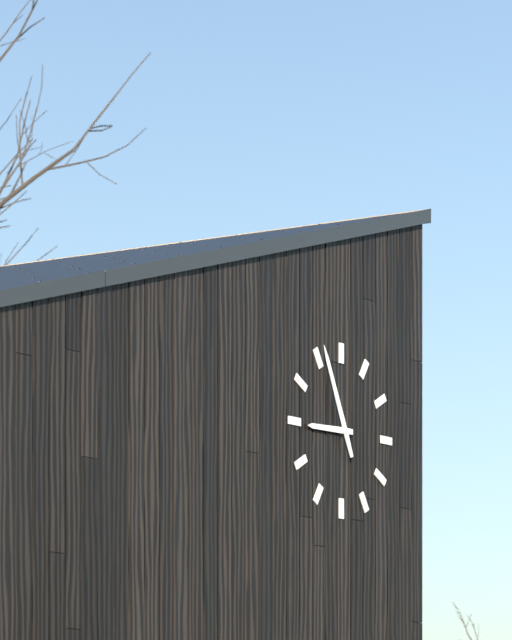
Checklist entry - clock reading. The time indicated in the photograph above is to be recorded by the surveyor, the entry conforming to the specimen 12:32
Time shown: 8:56
